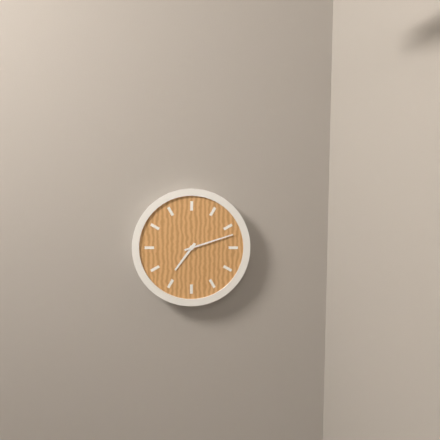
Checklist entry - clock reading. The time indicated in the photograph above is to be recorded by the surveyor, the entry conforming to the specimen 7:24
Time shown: 7:12
